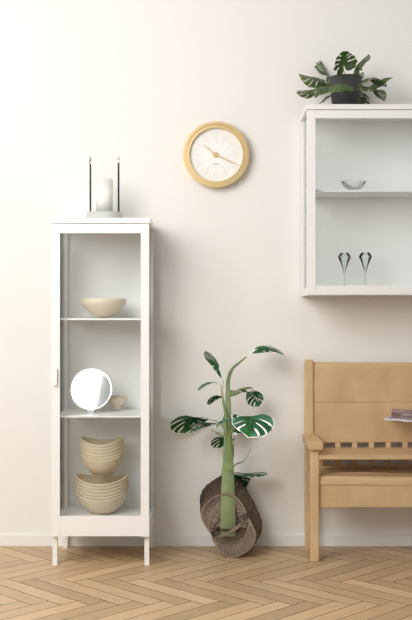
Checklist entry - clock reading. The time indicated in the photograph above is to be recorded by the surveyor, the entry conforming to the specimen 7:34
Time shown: 10:19
